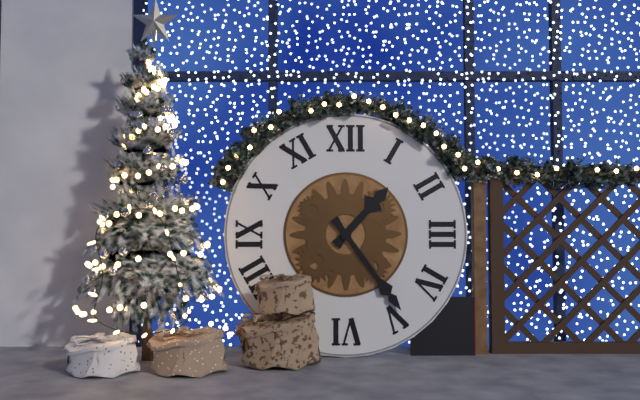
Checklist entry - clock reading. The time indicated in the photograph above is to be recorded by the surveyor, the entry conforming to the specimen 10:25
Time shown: 1:24
